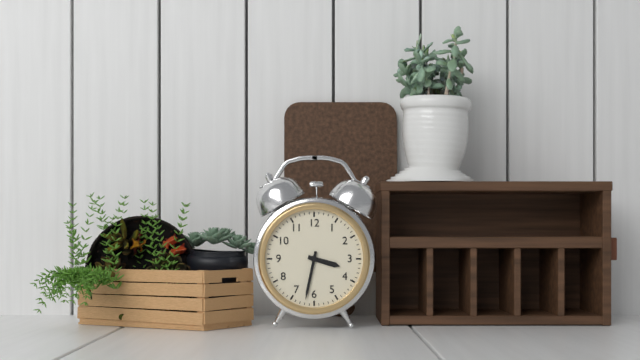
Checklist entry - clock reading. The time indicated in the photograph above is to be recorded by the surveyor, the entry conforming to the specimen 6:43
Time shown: 3:32
